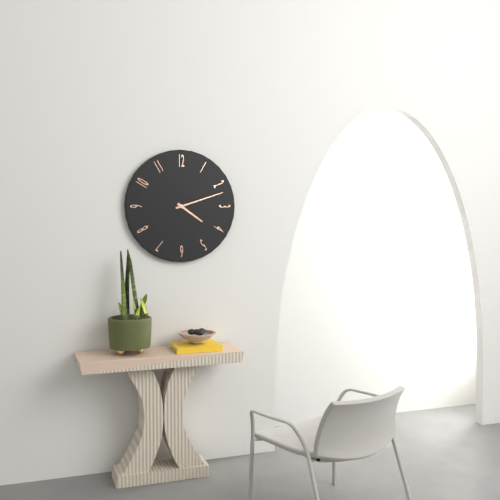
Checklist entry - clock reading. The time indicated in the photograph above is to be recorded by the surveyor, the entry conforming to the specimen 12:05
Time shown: 4:12
